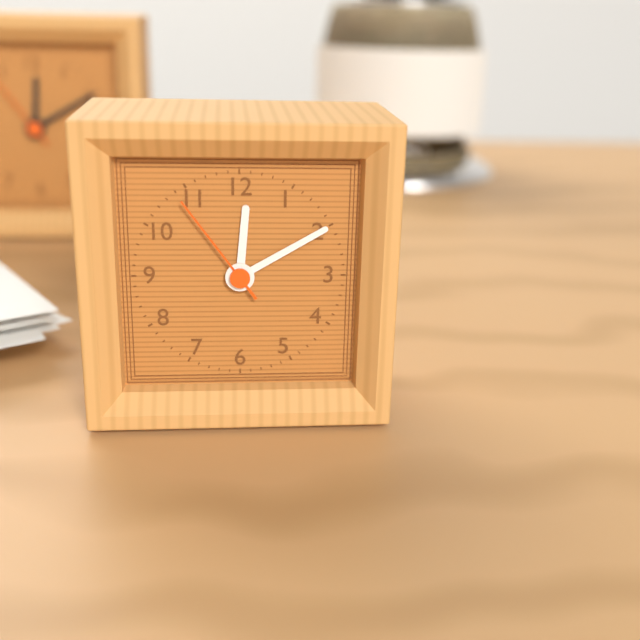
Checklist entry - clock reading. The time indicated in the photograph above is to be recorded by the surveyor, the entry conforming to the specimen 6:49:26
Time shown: 12:10:54
